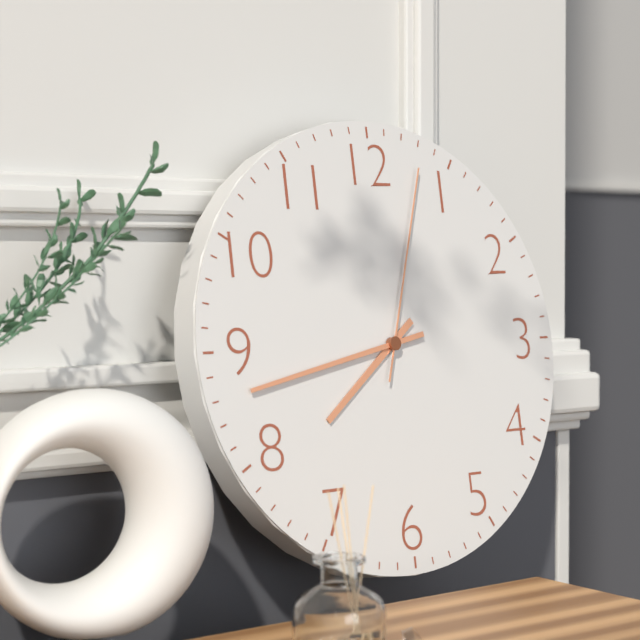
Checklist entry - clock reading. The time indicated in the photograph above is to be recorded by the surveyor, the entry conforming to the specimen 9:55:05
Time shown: 7:43:03
